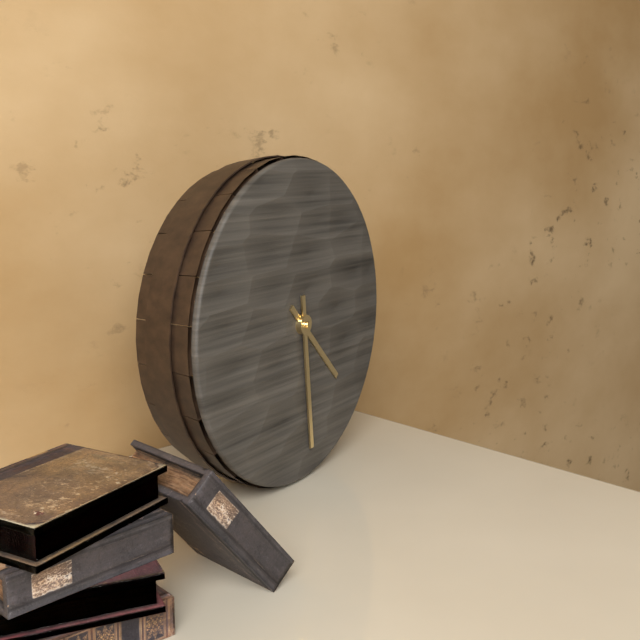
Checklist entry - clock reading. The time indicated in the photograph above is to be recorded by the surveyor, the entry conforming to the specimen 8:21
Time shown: 4:29
